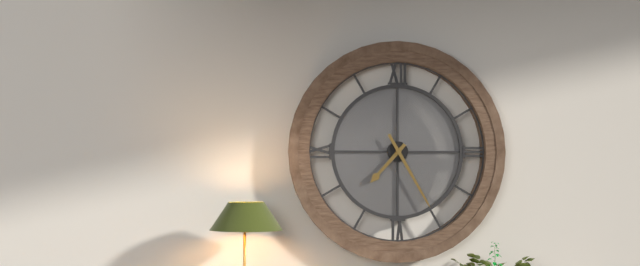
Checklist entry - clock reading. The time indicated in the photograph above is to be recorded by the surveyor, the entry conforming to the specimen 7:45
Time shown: 7:25
